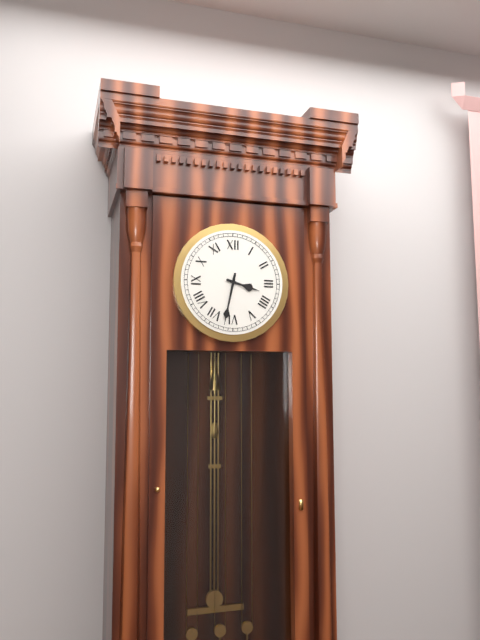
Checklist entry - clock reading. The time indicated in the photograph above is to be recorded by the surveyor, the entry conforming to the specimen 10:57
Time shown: 3:32
